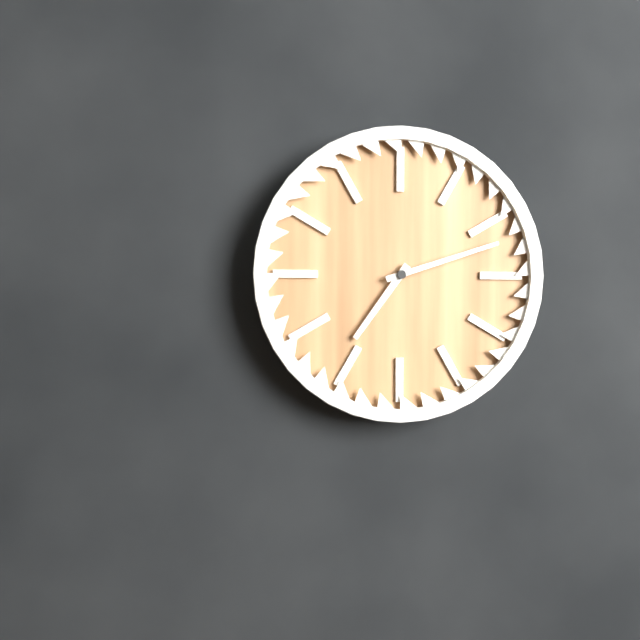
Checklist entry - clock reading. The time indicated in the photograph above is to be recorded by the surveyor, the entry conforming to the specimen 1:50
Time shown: 7:12
